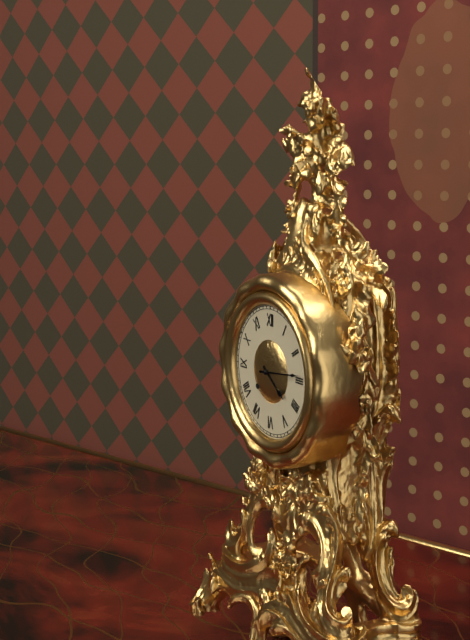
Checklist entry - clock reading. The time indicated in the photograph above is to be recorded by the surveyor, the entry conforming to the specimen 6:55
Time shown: 4:14
